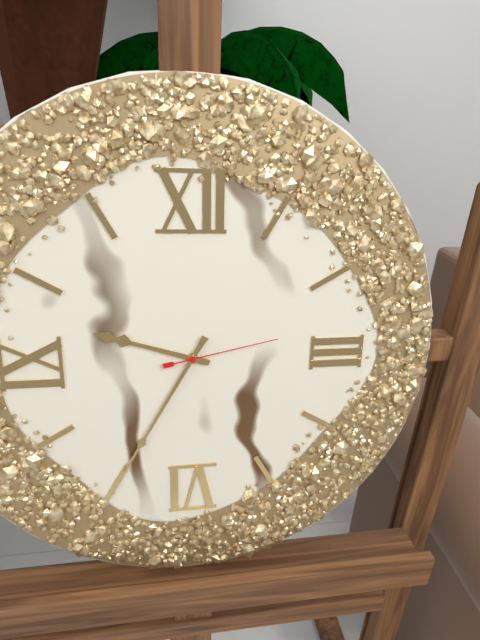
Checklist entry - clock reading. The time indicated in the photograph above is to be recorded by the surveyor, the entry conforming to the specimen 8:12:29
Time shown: 9:35:13
